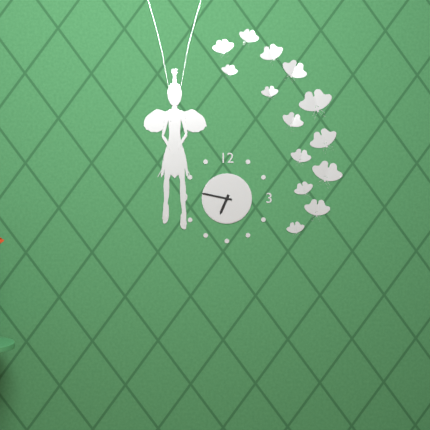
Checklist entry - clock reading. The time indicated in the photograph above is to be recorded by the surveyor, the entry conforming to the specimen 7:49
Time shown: 6:47
